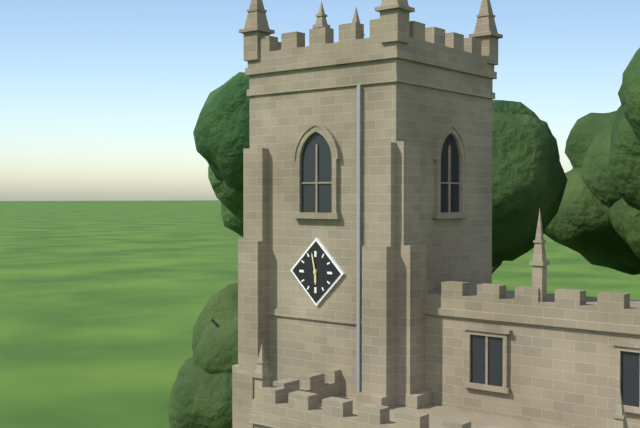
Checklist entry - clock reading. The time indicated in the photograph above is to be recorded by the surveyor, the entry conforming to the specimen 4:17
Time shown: 5:58
